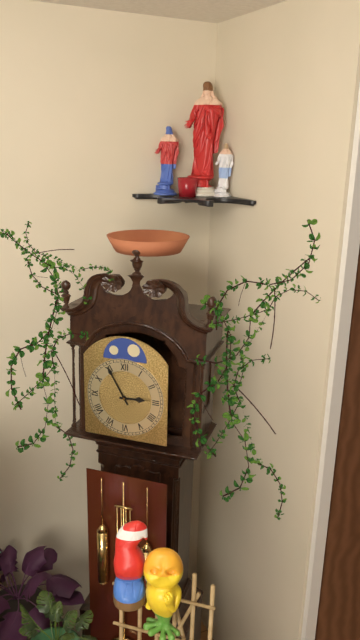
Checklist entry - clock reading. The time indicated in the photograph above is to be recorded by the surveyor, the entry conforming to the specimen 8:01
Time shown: 2:55
